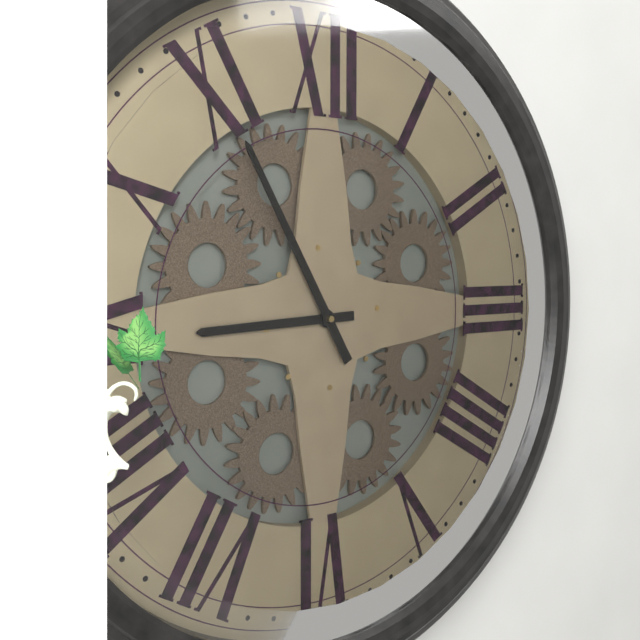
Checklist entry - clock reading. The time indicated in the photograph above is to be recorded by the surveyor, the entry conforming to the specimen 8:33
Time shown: 8:55
